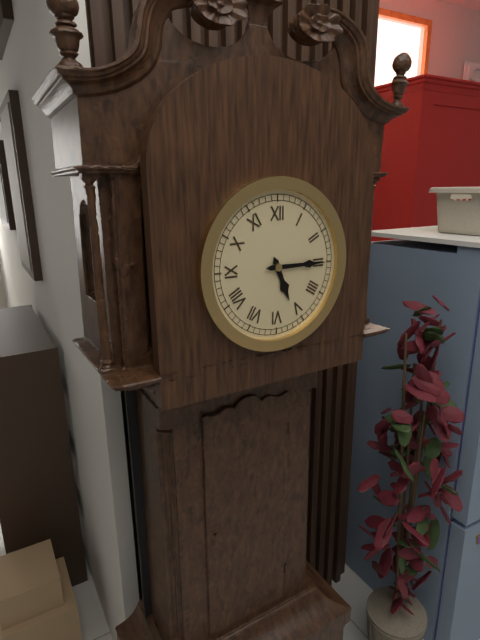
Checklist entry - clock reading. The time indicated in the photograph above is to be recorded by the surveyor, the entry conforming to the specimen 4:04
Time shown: 5:15
